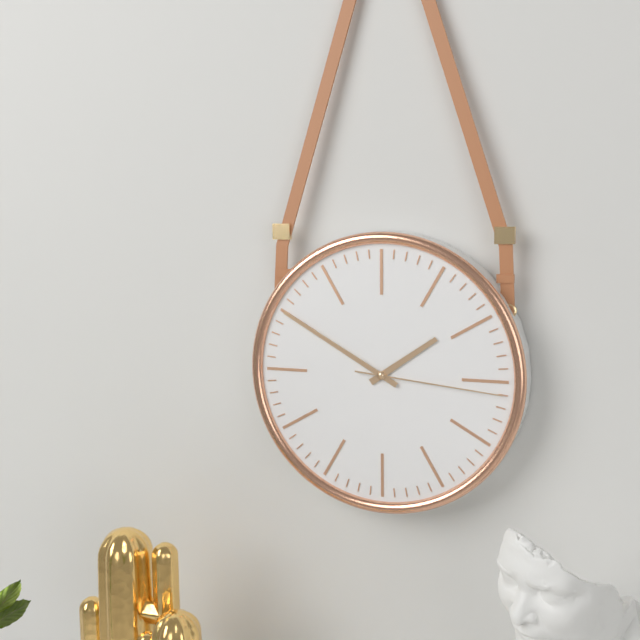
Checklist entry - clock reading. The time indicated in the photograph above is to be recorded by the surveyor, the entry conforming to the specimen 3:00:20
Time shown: 1:50:16
